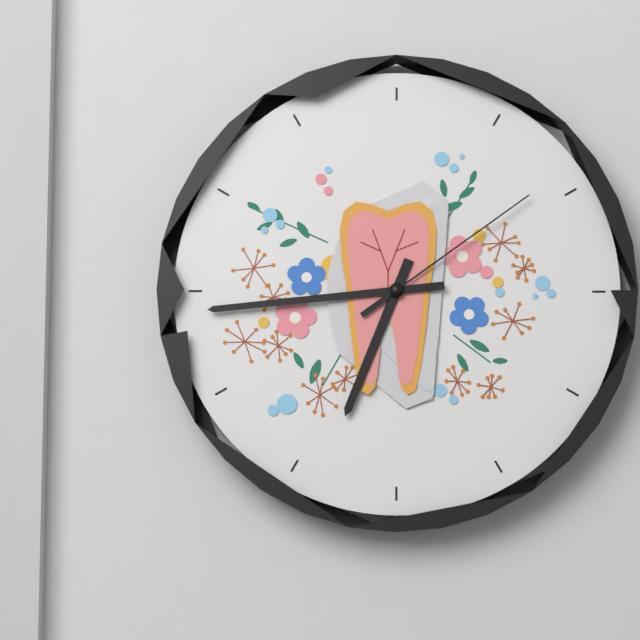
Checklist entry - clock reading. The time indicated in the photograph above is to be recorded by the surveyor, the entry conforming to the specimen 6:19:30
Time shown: 6:44:09
